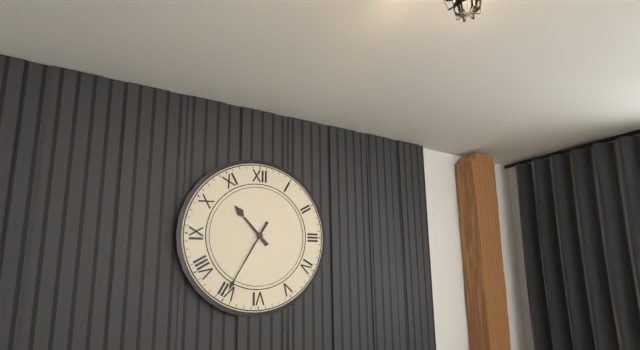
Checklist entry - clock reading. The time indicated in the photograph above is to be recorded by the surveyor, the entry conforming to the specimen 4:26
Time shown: 10:35
